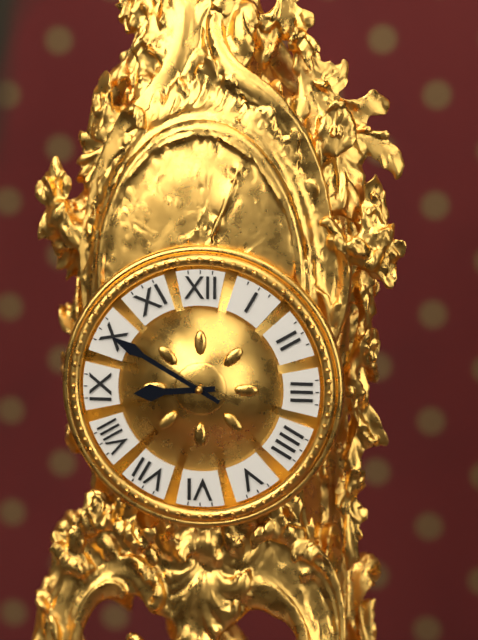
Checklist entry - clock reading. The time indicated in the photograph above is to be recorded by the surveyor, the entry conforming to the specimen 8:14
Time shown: 8:50
